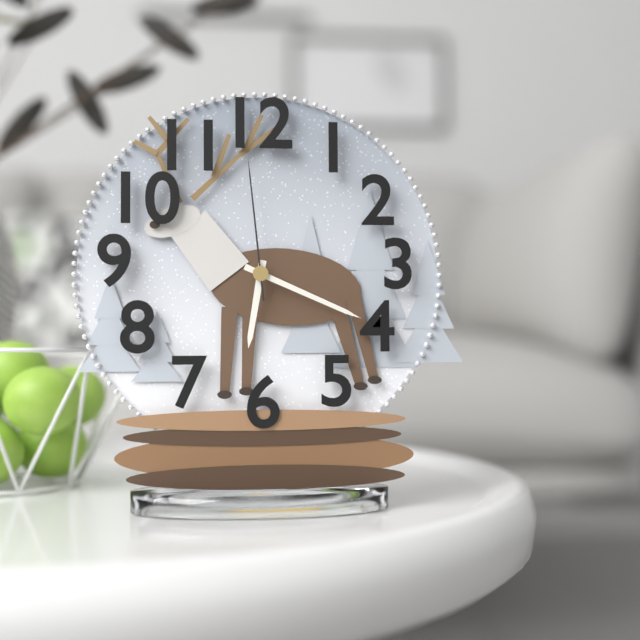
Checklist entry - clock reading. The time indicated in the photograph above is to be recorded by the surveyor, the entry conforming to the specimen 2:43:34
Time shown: 6:19:59
